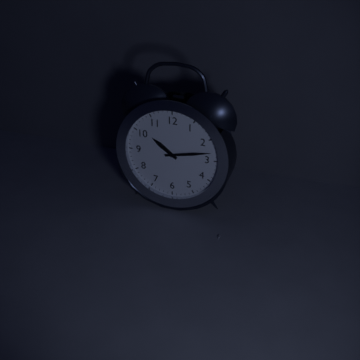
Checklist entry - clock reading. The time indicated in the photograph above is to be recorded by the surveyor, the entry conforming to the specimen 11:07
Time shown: 10:13
